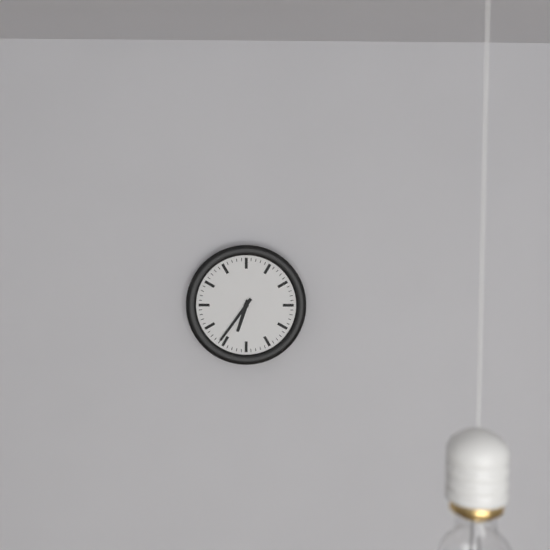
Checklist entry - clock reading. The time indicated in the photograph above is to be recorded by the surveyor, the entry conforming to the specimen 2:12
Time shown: 6:36
